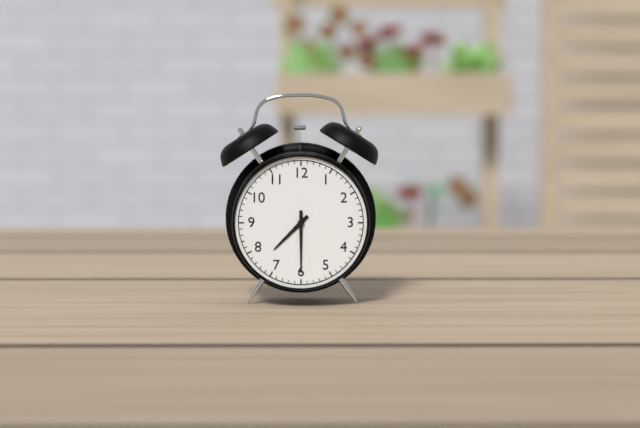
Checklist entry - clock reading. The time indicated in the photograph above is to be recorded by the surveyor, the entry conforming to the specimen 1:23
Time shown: 7:30
